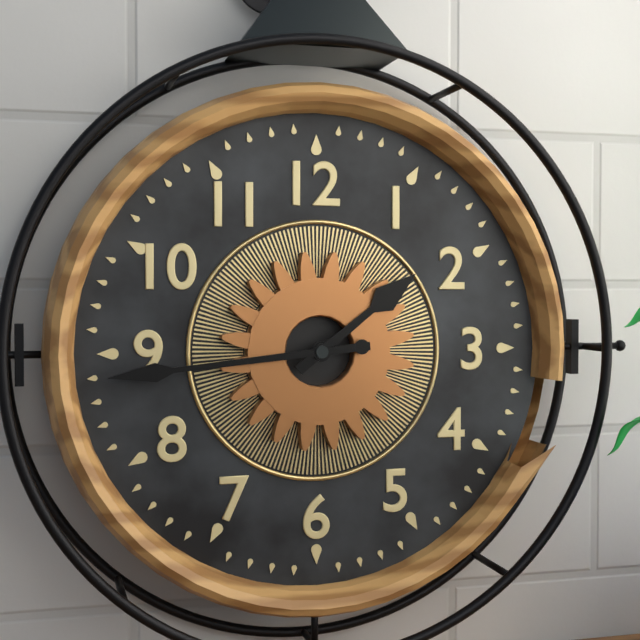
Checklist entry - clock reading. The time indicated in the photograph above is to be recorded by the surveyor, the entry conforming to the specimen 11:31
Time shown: 1:44
